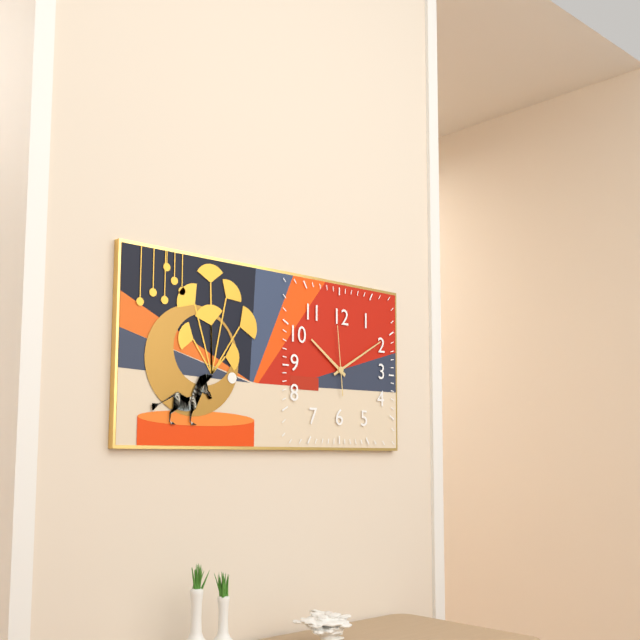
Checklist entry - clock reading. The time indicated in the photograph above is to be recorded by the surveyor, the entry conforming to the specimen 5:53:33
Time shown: 10:10:59
